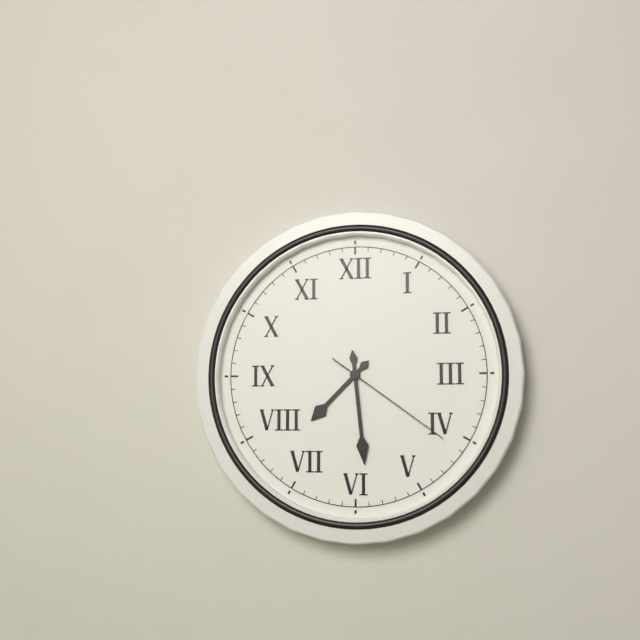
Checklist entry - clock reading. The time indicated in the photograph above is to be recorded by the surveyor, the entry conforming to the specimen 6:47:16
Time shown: 7:29:21
